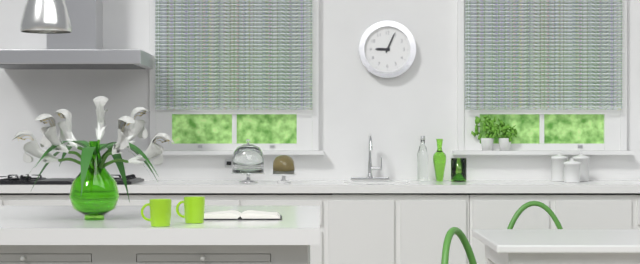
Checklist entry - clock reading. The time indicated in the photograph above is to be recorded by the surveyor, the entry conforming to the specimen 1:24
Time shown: 9:04
